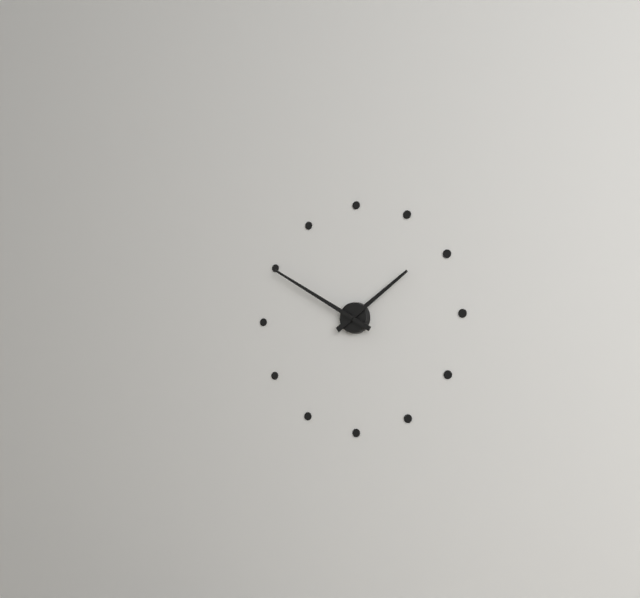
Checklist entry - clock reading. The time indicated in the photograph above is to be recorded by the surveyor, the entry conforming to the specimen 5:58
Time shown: 1:50
